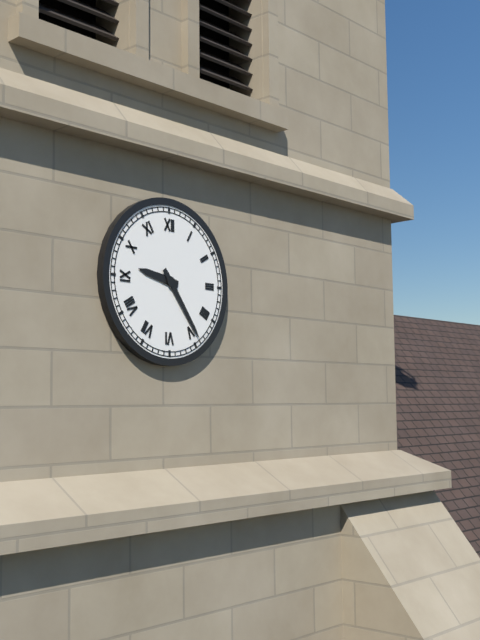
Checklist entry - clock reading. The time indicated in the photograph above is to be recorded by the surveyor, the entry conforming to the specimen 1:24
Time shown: 9:24
